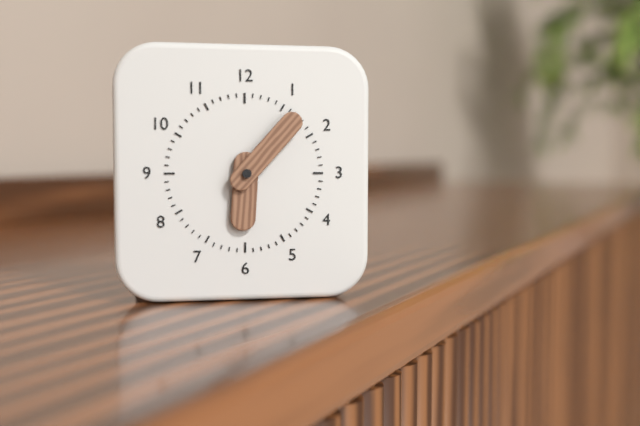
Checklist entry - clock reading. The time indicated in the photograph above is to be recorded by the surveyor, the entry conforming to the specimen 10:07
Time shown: 6:07
